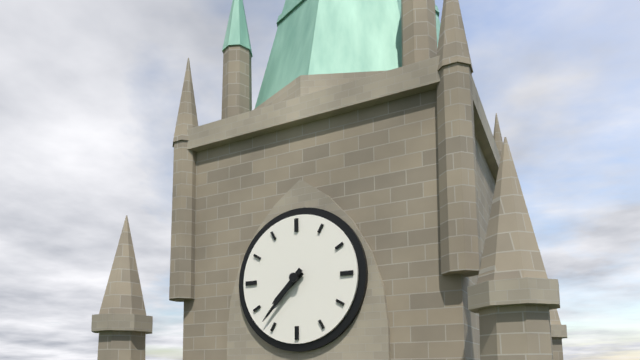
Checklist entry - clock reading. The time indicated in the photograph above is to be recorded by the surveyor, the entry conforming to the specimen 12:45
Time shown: 7:37
